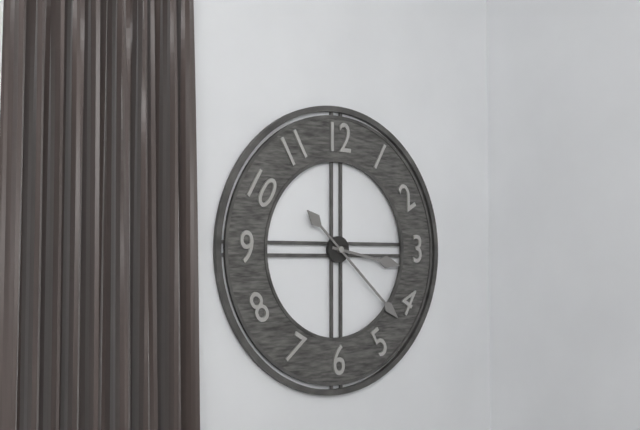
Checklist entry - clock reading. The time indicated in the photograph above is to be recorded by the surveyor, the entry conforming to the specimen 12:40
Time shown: 3:22
